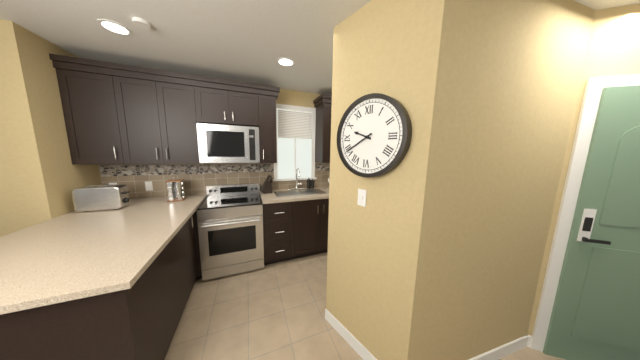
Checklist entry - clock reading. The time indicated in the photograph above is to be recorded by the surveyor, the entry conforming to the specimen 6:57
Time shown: 9:40
